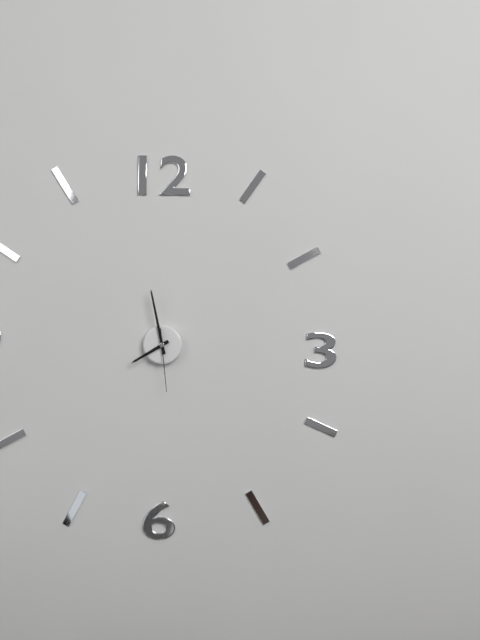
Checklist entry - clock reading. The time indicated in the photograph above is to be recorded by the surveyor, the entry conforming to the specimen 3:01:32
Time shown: 7:58:29
